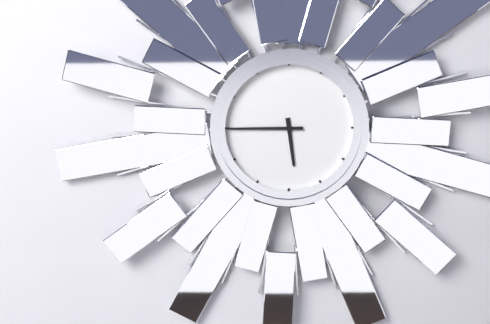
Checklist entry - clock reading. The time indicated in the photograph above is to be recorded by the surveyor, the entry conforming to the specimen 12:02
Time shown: 5:45
